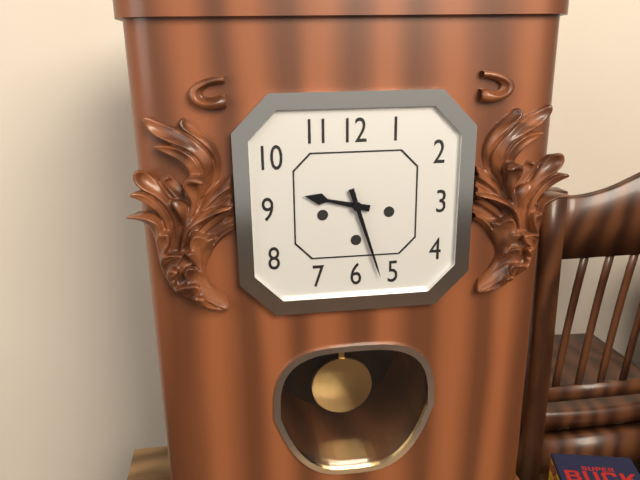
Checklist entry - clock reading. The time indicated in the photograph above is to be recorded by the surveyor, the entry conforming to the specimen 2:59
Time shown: 9:27
